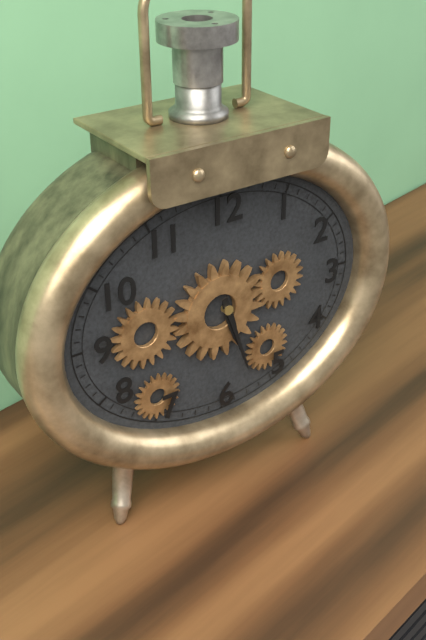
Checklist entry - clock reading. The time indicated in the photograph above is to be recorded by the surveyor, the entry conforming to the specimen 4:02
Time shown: 5:27
